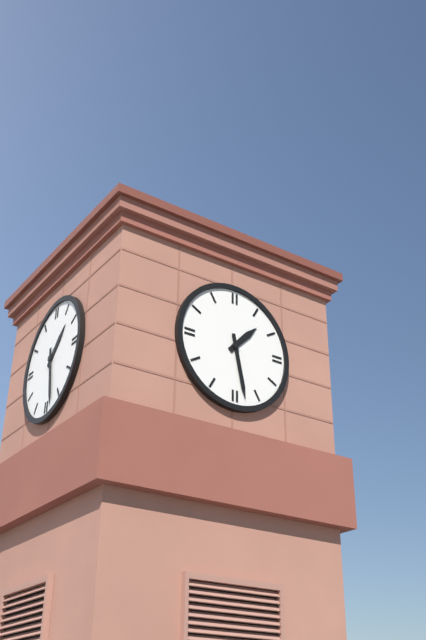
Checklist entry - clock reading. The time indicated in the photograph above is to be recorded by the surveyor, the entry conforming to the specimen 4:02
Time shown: 1:28
